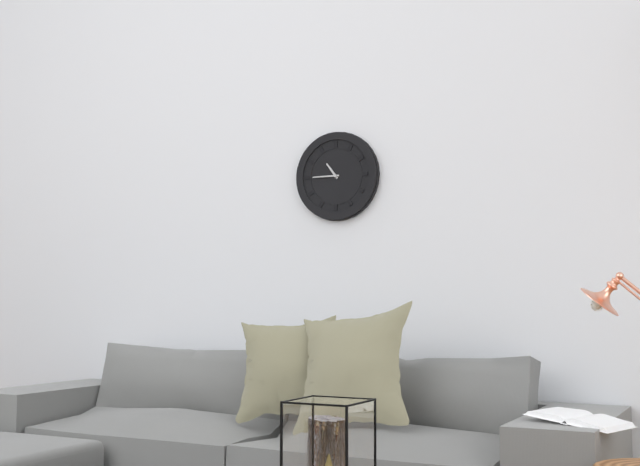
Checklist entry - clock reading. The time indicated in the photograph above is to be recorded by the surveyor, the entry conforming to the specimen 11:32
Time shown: 10:45
